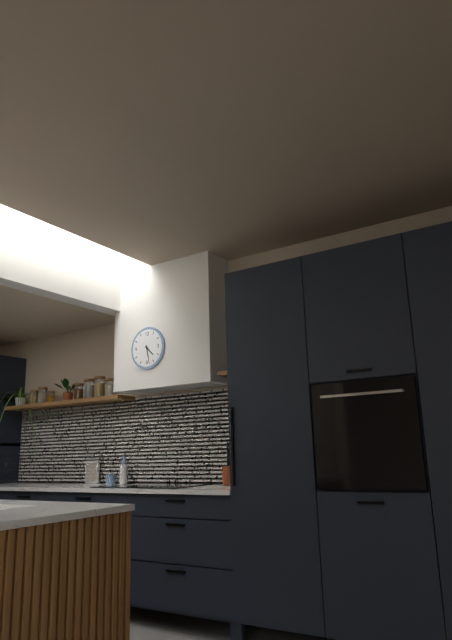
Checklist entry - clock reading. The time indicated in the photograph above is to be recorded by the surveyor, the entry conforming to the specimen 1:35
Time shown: 4:28
